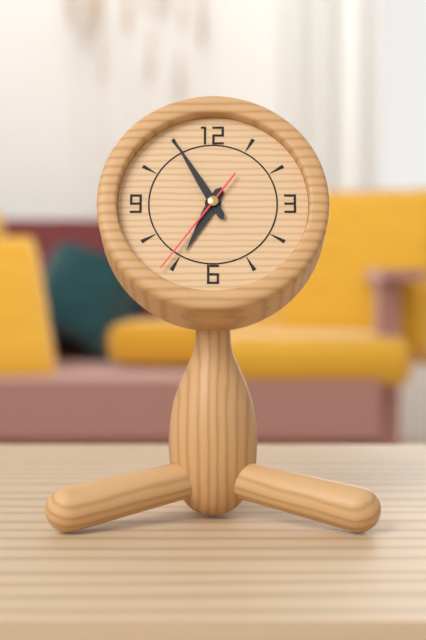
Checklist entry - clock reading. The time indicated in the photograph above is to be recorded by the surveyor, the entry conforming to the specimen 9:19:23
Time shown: 6:55:36
